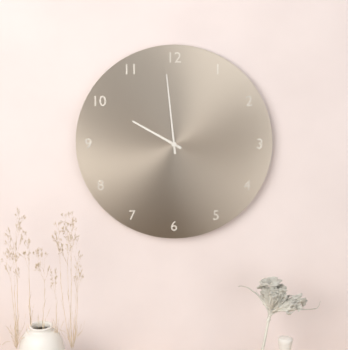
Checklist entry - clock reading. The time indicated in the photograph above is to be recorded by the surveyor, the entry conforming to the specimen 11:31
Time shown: 9:59
